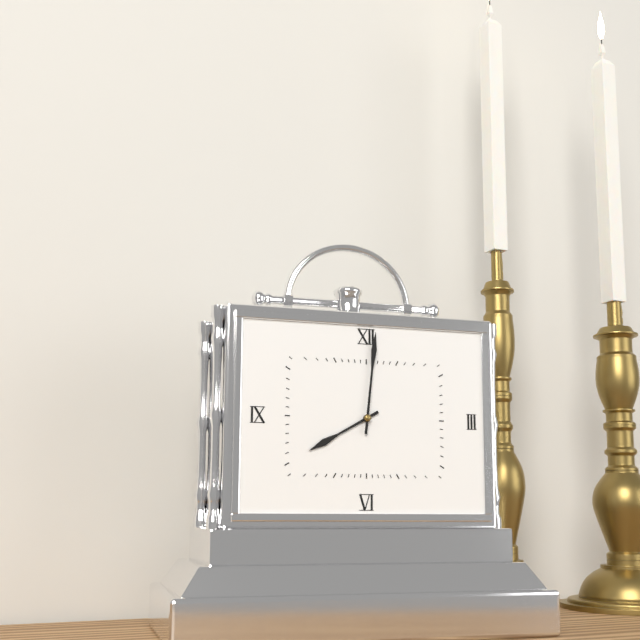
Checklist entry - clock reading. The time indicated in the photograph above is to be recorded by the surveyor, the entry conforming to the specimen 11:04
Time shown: 8:01
